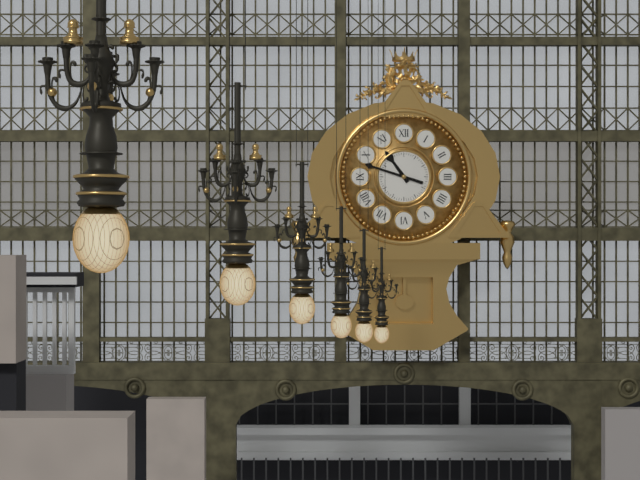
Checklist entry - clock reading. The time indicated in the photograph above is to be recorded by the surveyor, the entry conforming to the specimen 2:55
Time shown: 10:48
